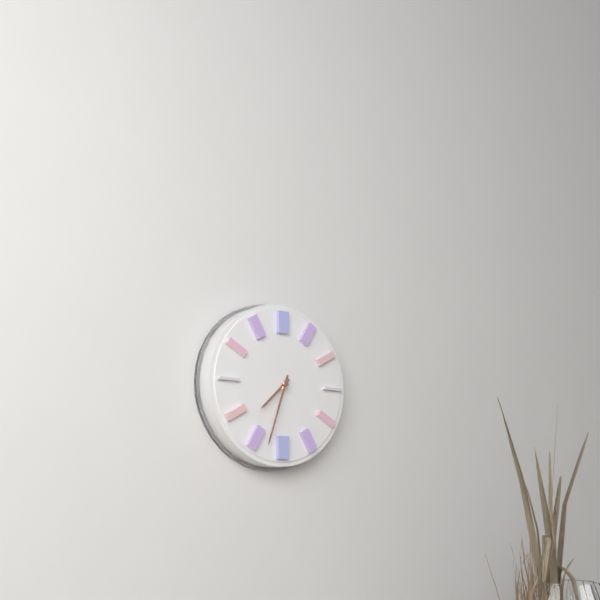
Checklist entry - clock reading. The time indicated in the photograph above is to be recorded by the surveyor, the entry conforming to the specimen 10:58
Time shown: 7:33
